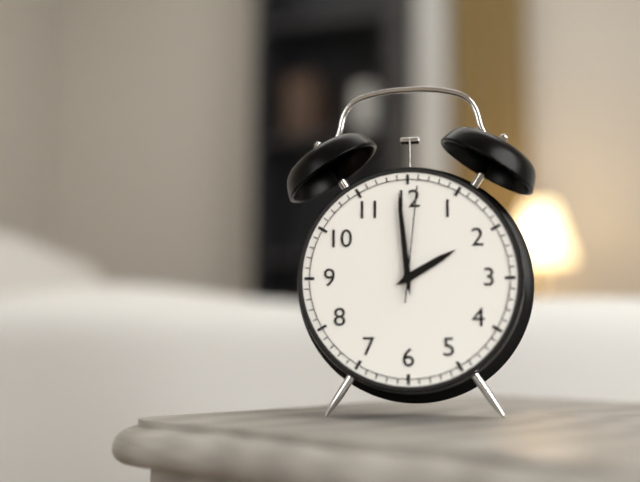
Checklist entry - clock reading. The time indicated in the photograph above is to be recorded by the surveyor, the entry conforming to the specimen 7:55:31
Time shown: 1:59:01
